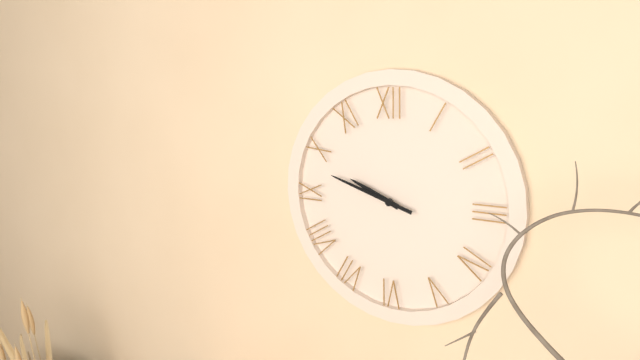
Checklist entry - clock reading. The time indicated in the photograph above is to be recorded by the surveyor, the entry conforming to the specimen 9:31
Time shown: 9:48
